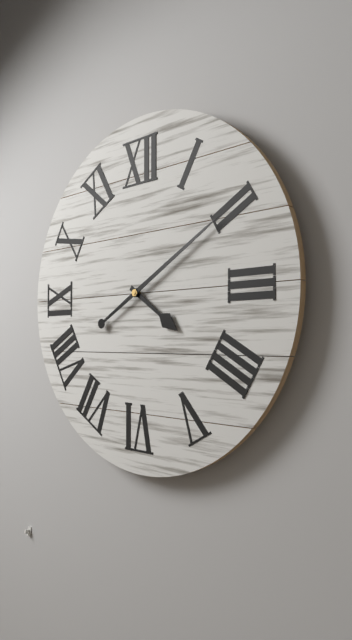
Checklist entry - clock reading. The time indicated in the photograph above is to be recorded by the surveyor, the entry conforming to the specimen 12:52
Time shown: 4:10
